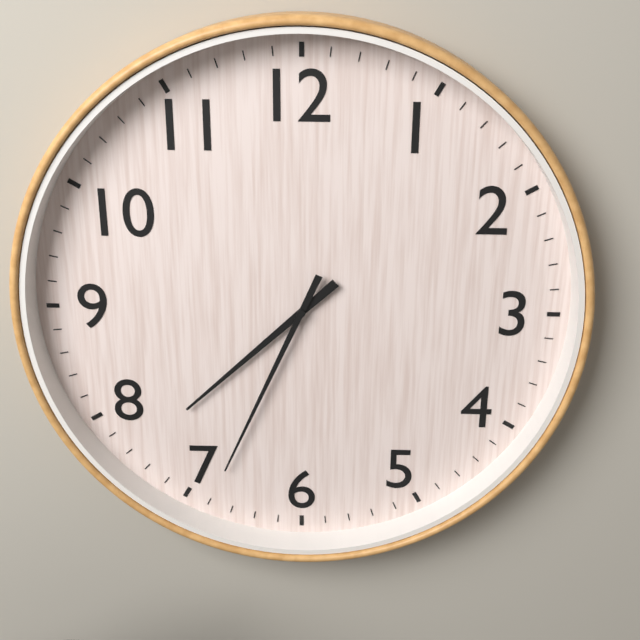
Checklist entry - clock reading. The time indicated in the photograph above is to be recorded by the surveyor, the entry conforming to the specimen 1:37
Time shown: 7:34
